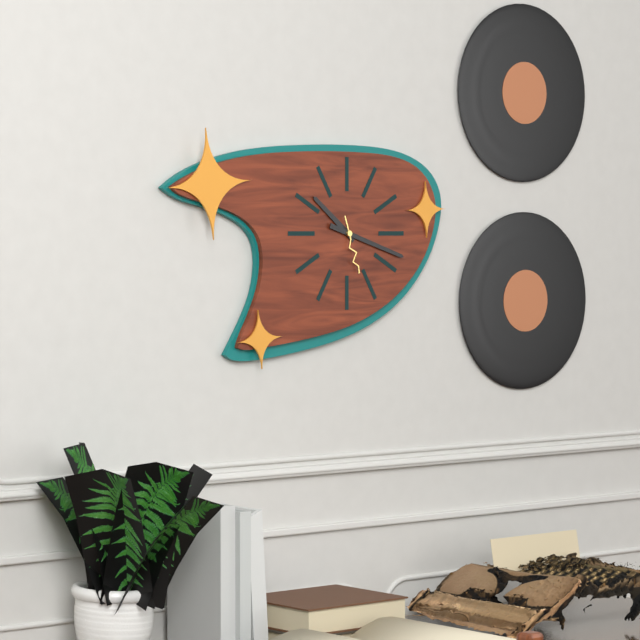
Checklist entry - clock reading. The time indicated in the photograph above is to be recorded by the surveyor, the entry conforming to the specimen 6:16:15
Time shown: 10:18:27
